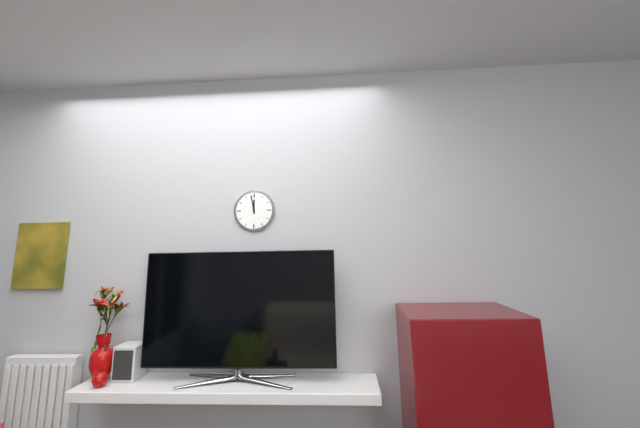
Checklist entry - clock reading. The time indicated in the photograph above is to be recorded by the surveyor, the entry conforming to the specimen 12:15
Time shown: 11:58
